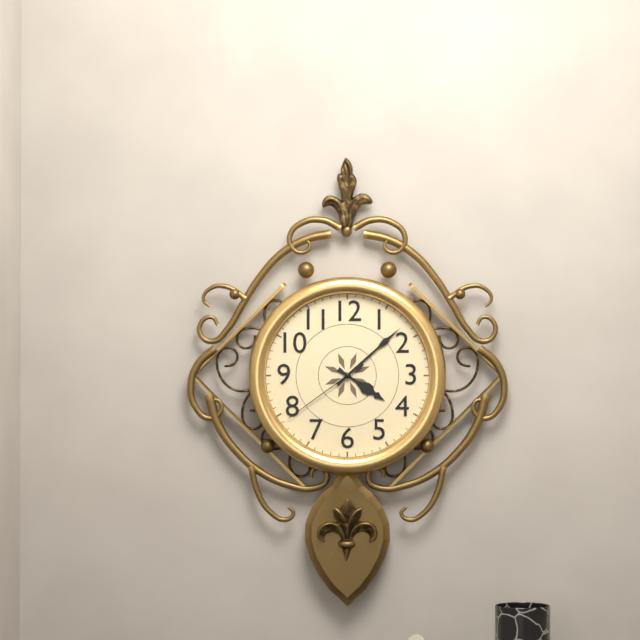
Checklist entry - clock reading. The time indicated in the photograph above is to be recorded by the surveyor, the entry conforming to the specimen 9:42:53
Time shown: 4:08:39
